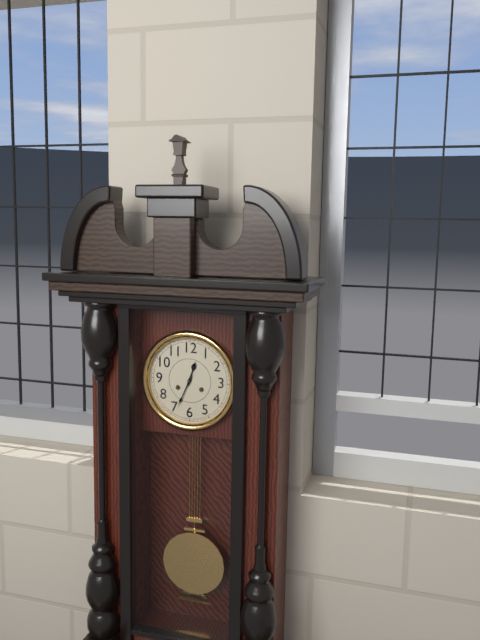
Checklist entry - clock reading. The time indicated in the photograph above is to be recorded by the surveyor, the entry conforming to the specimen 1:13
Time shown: 12:34
